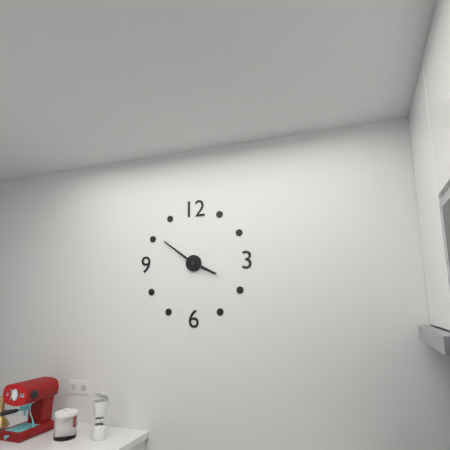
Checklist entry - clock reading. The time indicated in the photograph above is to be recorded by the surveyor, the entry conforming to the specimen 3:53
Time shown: 3:51
